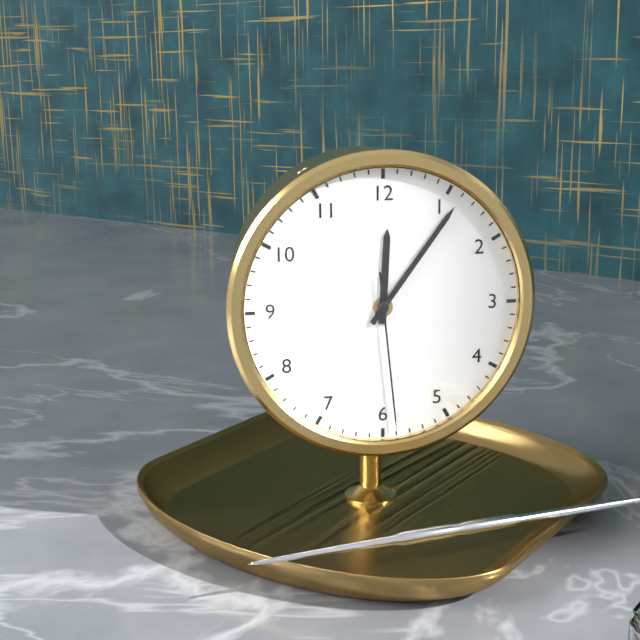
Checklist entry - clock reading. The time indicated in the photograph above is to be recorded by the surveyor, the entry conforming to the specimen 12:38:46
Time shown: 12:06:29
